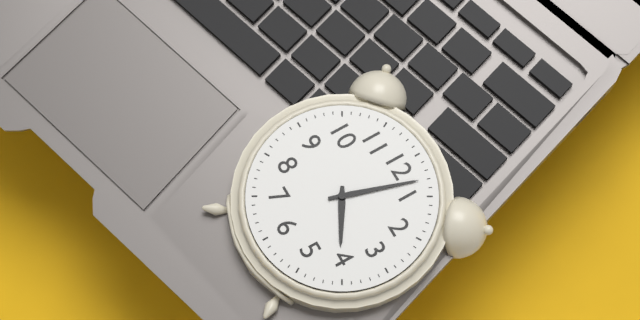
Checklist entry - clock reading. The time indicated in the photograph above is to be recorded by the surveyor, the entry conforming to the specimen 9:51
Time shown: 4:03
